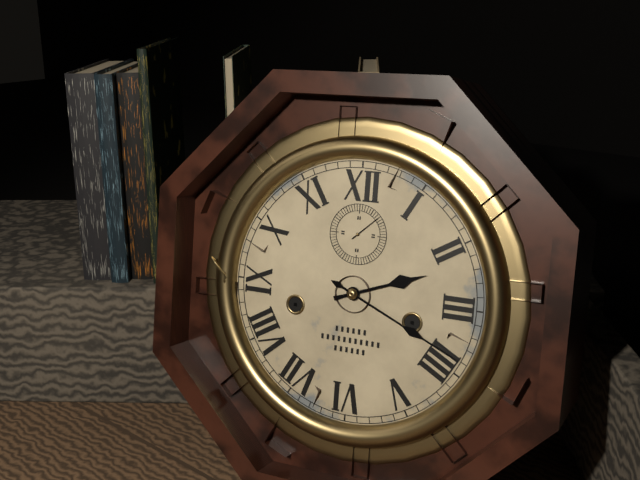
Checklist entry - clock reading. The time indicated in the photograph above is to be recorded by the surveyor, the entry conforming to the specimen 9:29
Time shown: 2:19
